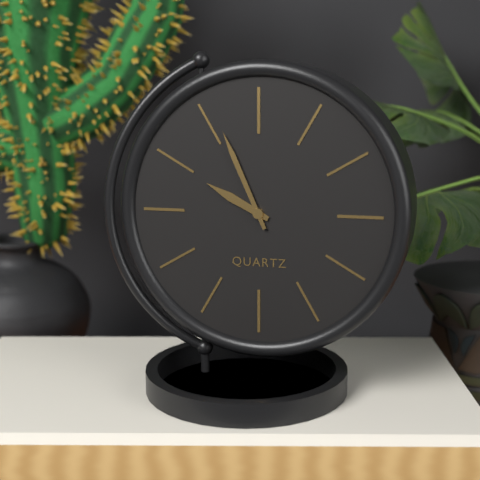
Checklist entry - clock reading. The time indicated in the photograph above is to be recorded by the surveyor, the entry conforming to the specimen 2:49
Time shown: 9:56
